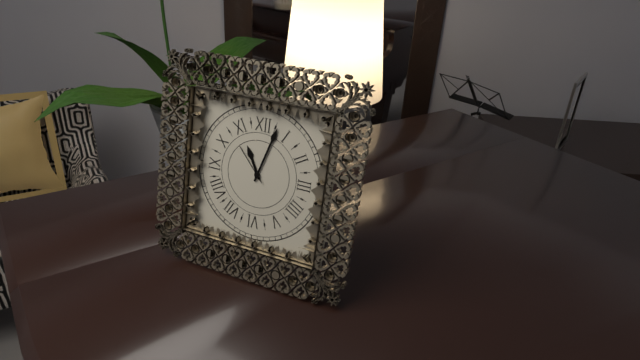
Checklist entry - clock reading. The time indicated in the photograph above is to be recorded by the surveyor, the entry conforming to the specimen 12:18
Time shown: 11:03
